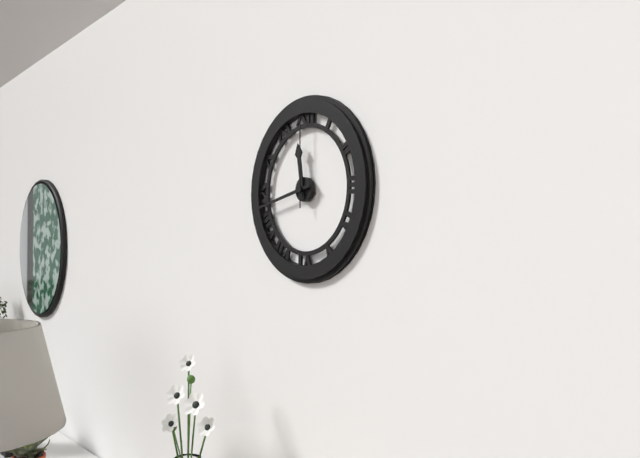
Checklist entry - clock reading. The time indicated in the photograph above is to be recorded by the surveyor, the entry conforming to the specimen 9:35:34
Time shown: 11:43:00
